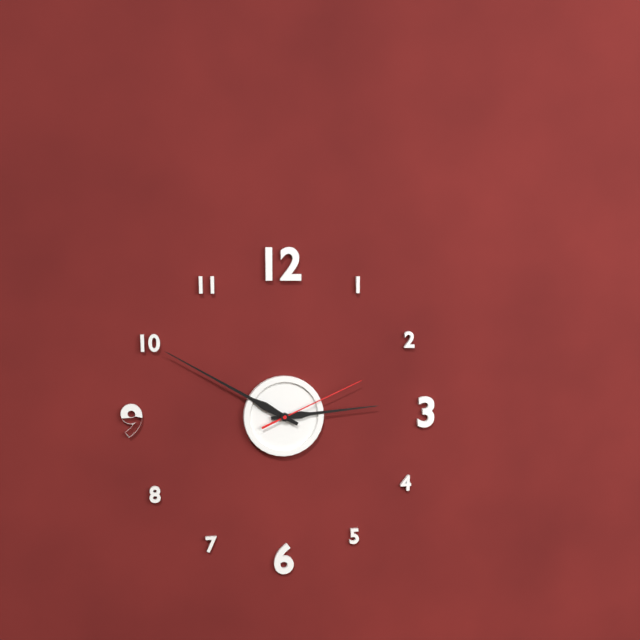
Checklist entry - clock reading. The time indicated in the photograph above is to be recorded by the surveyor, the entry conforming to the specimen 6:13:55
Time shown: 2:50:11
